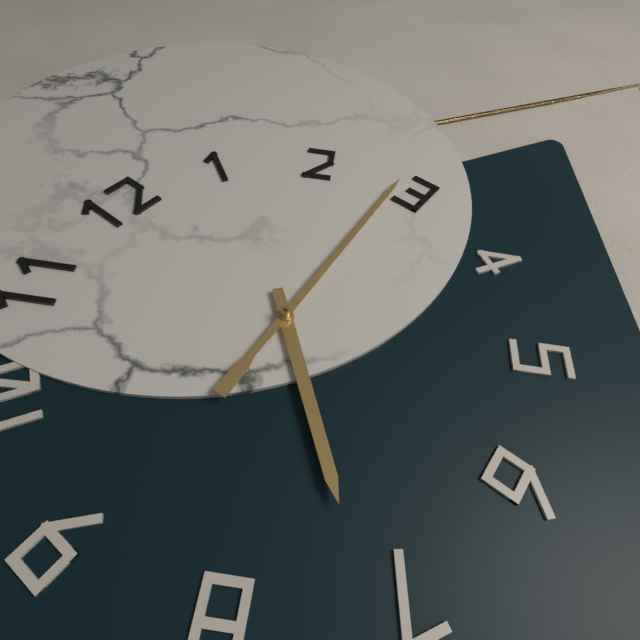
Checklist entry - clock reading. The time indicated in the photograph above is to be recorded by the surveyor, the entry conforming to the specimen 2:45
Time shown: 7:14
